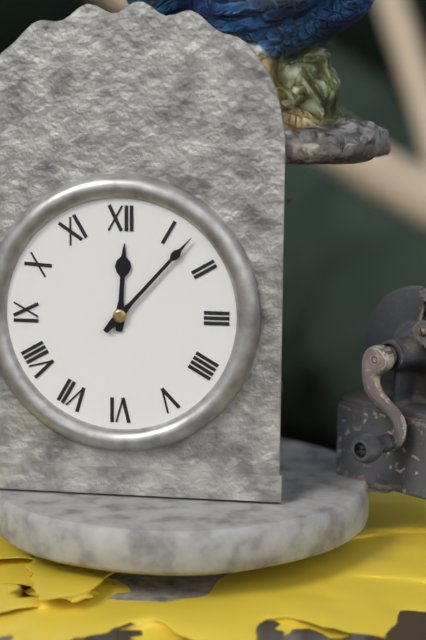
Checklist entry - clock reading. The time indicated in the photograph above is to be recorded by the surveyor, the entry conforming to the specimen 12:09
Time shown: 12:07
